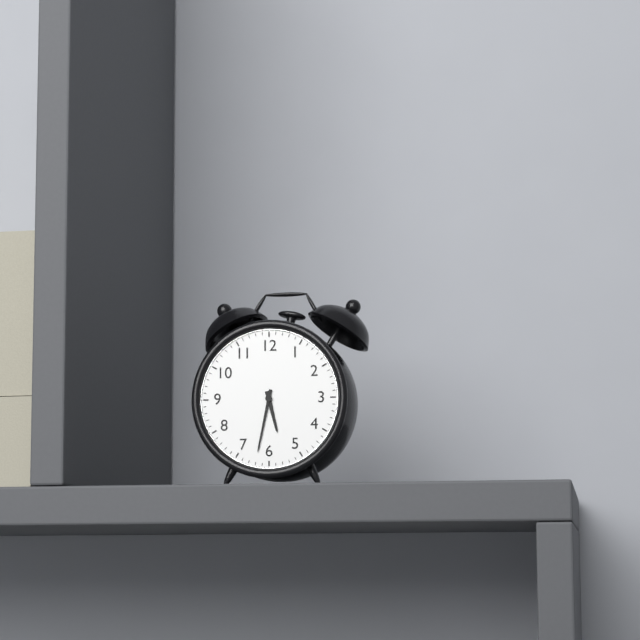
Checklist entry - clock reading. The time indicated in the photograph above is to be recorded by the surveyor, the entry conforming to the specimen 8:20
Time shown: 5:32
